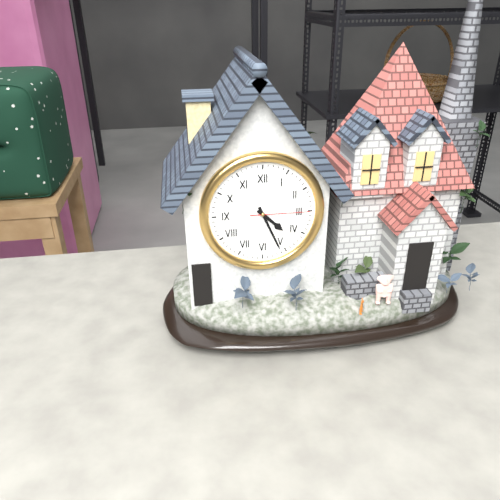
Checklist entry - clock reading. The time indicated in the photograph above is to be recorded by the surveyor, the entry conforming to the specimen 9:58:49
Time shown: 4:26:15
